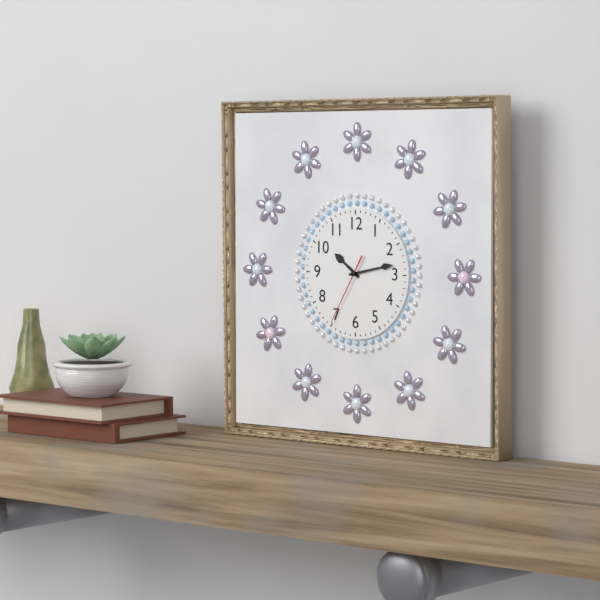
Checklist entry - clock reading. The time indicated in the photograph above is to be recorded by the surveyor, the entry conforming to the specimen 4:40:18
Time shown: 10:13:35
